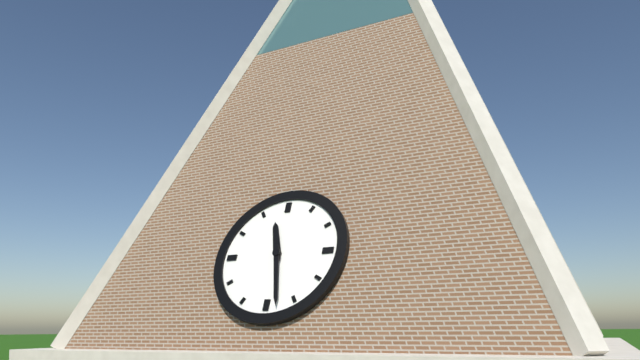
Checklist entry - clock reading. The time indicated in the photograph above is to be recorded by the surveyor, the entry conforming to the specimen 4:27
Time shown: 11:28
